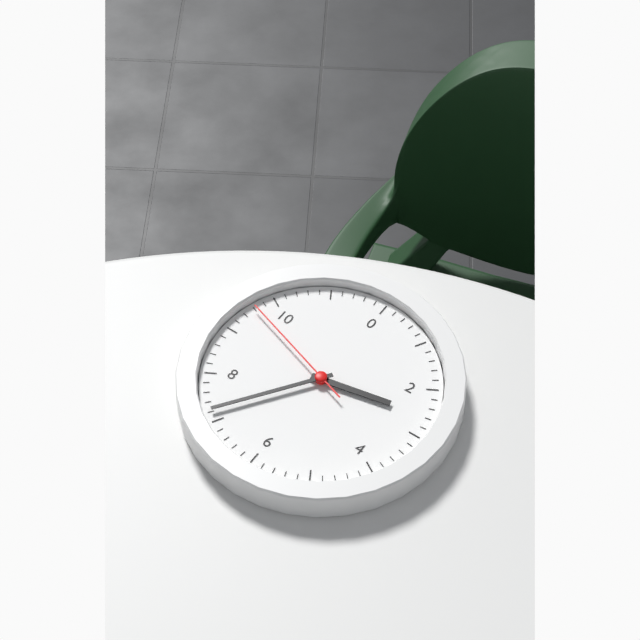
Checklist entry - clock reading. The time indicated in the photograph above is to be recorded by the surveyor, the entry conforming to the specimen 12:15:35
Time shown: 2:36:48
